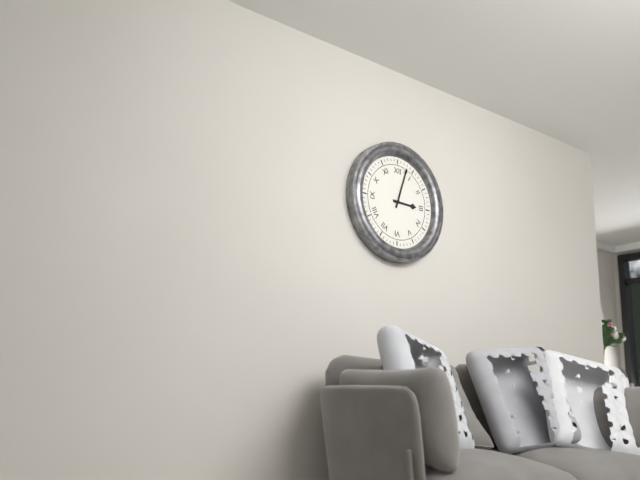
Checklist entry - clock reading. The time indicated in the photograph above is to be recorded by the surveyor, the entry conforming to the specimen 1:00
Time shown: 3:03
